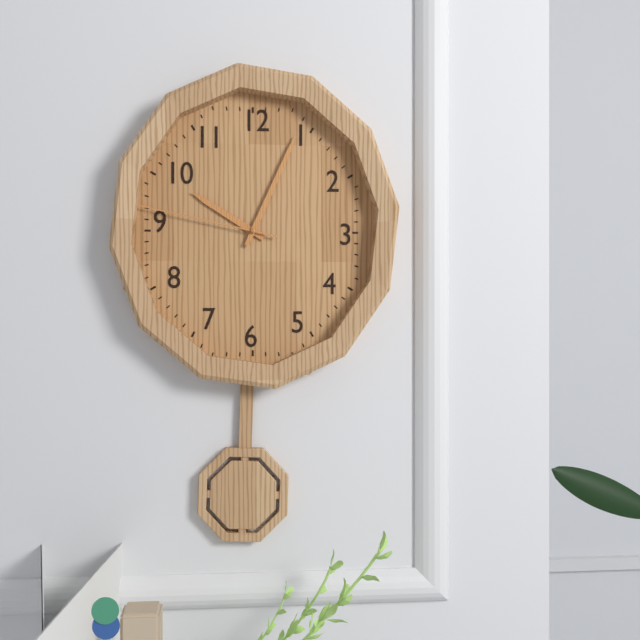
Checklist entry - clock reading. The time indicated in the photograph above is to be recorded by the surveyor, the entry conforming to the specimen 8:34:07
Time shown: 10:04:47
